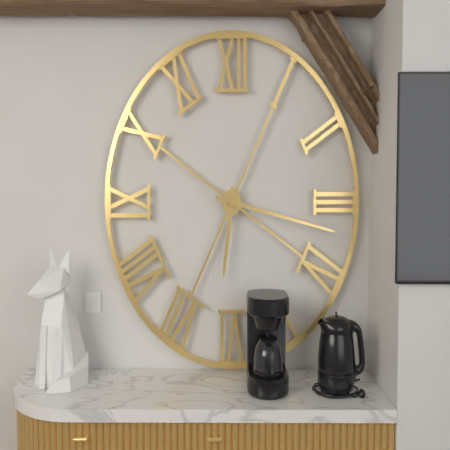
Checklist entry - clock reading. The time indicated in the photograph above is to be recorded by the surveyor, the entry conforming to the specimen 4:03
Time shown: 6:17
